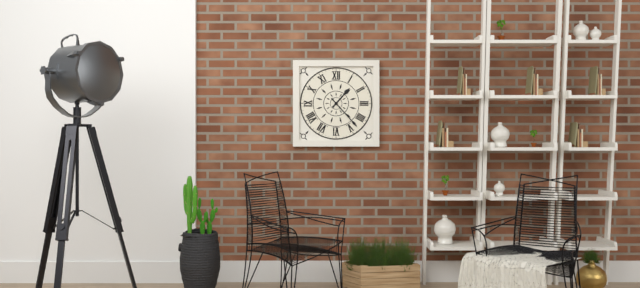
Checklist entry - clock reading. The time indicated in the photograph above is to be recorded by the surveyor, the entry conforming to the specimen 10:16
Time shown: 1:23
